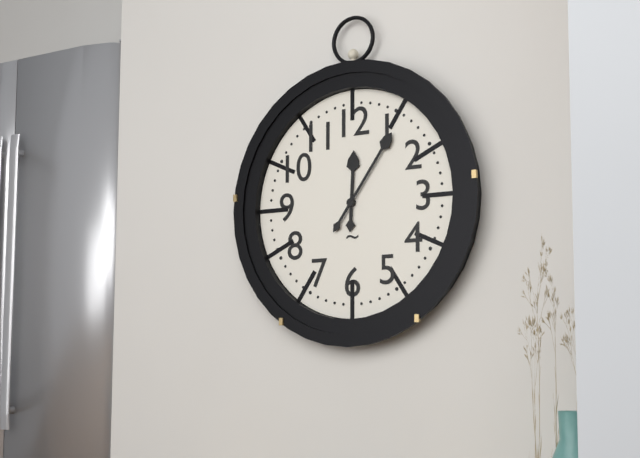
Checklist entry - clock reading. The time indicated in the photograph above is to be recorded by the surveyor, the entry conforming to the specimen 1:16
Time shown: 12:06
